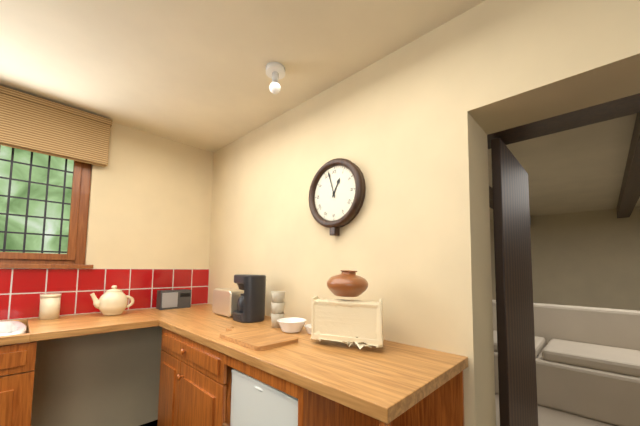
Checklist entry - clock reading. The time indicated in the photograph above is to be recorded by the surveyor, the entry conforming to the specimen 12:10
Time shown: 12:57
